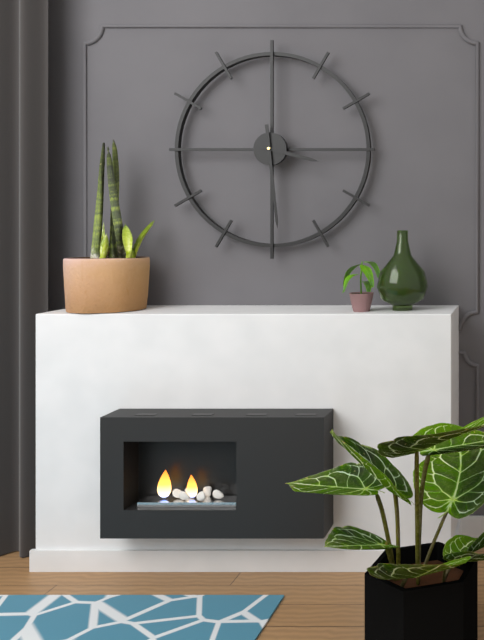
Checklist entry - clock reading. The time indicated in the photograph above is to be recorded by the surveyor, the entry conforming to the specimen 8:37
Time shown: 3:29
